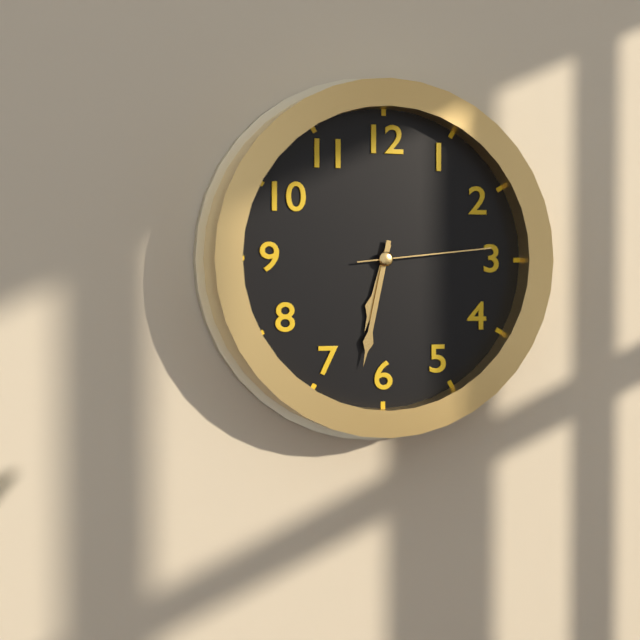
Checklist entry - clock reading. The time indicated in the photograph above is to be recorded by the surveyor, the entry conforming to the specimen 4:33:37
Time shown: 6:32:14
